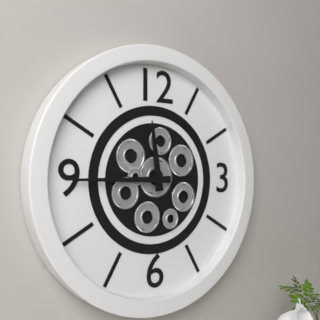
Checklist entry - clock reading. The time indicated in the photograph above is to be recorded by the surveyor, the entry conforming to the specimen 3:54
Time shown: 11:45
